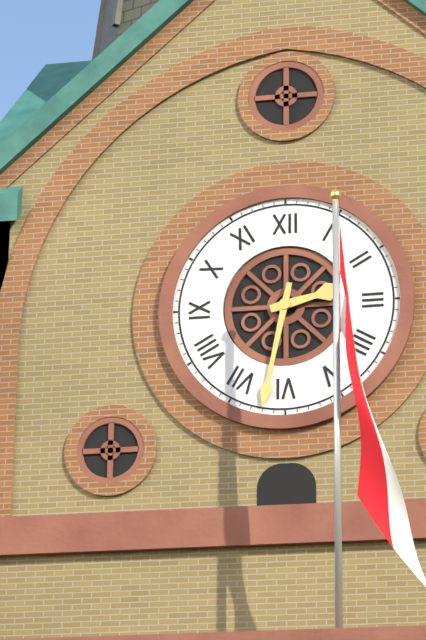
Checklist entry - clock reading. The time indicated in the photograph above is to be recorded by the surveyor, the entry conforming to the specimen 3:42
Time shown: 2:32
